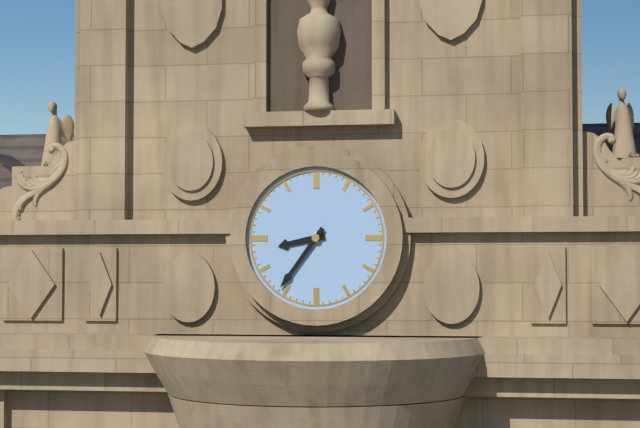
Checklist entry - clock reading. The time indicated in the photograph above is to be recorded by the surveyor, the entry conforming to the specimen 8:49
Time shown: 8:36
